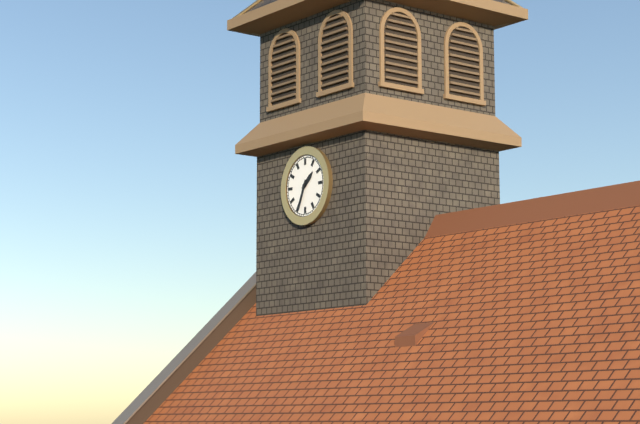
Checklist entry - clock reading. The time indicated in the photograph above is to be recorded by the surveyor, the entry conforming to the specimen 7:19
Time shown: 1:34
